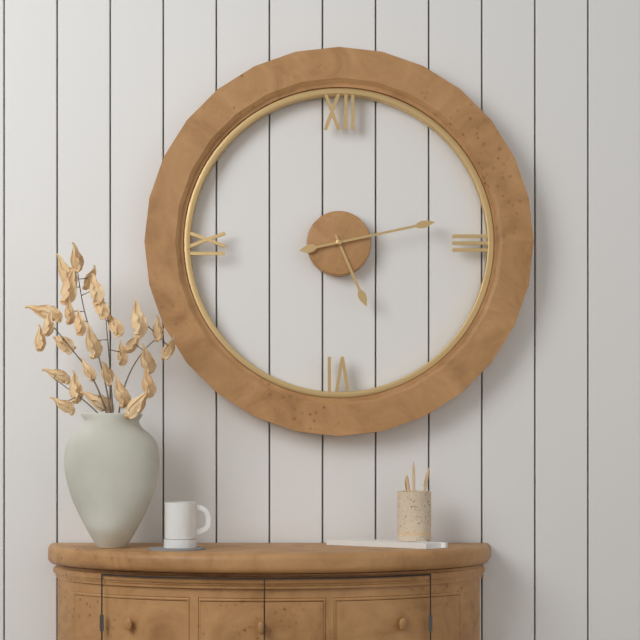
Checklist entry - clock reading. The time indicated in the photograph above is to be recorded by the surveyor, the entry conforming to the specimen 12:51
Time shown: 5:13
